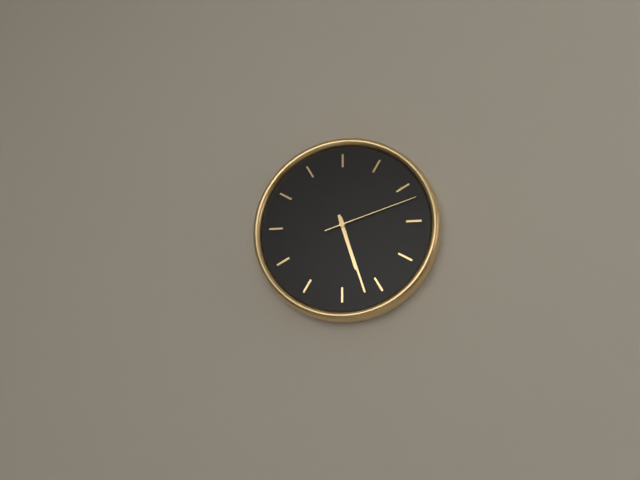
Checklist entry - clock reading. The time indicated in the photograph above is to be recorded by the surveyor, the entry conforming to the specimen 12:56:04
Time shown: 5:27:12
